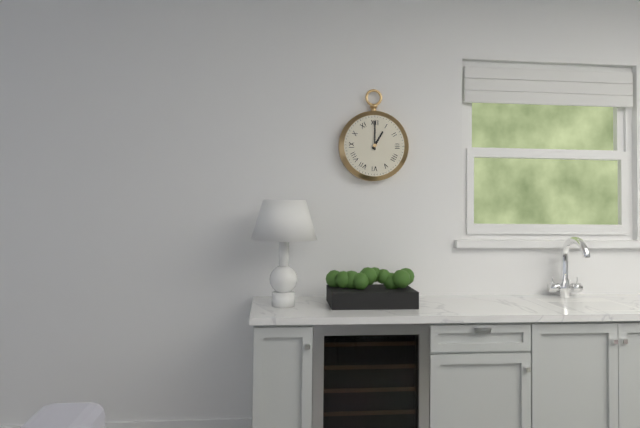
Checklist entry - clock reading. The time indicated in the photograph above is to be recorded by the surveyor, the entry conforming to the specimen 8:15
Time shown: 1:00
